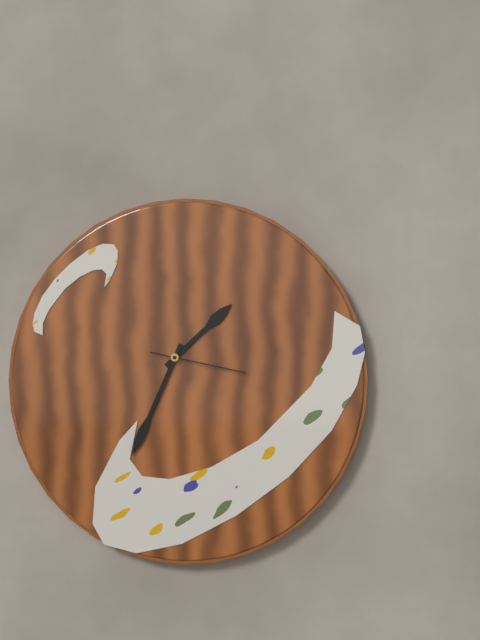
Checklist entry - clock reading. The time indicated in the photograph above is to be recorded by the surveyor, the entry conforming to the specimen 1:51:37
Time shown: 1:34:17
